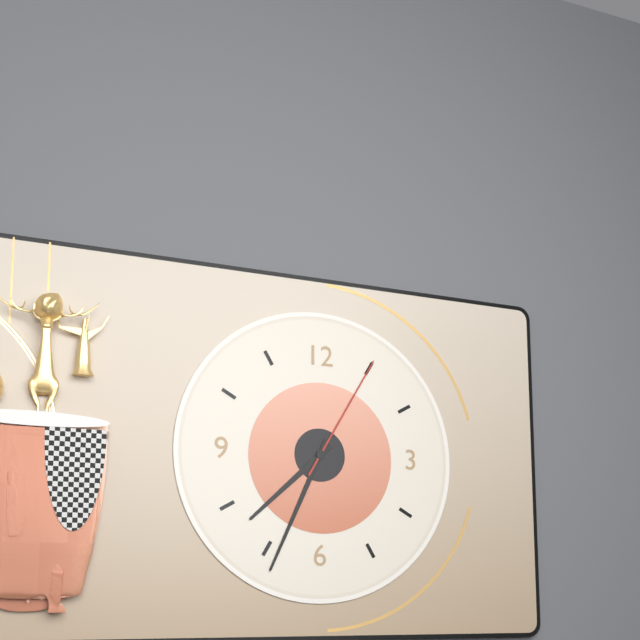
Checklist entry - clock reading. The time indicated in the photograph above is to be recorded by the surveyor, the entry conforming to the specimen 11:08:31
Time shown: 7:34:05
